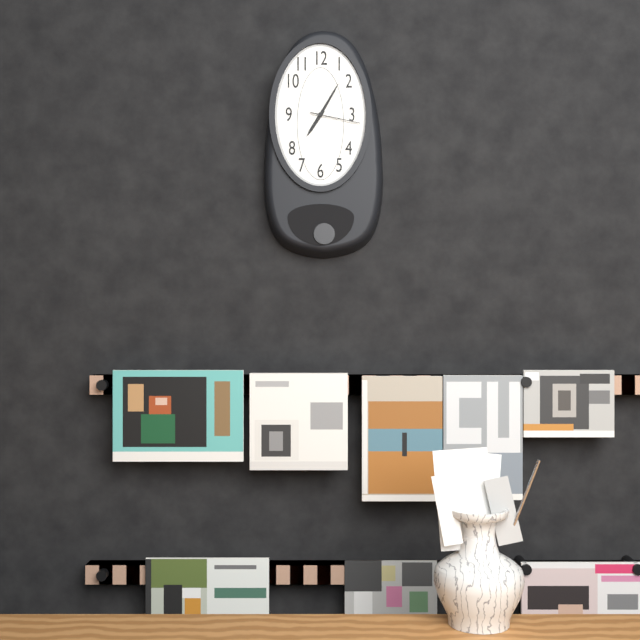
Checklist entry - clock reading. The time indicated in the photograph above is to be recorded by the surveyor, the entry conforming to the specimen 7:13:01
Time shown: 7:05:17
